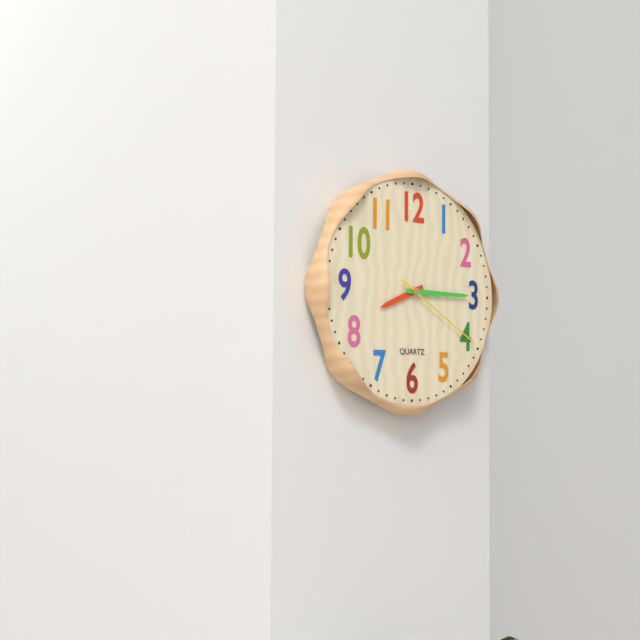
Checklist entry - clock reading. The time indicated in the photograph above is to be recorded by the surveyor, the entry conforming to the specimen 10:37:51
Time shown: 8:15:20
